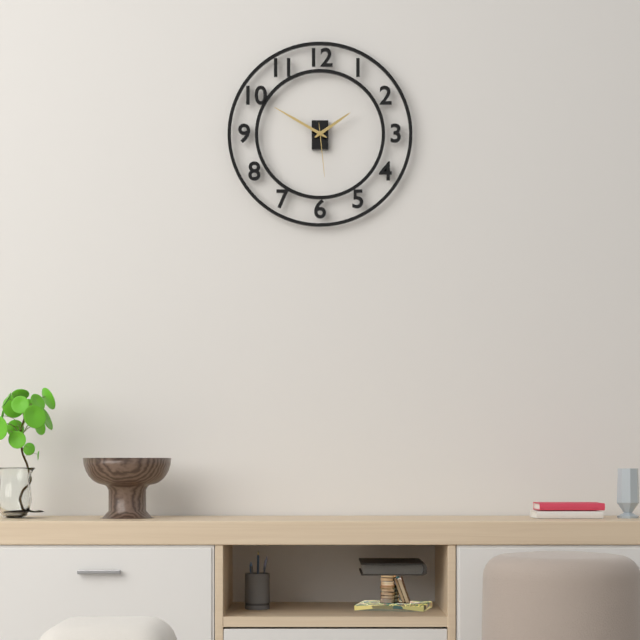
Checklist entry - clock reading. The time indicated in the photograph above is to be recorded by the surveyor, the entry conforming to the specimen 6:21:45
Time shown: 1:50:29
